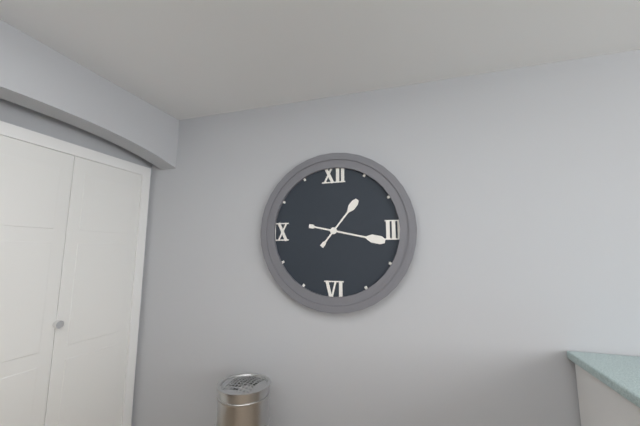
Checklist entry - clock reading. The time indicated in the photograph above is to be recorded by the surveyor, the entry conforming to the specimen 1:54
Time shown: 1:17
